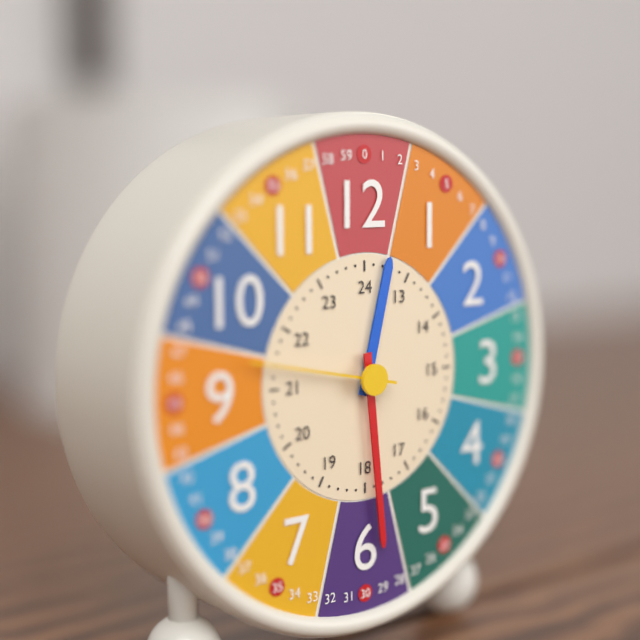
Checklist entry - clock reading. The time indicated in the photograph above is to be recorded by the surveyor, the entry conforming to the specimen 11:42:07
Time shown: 12:29:47
